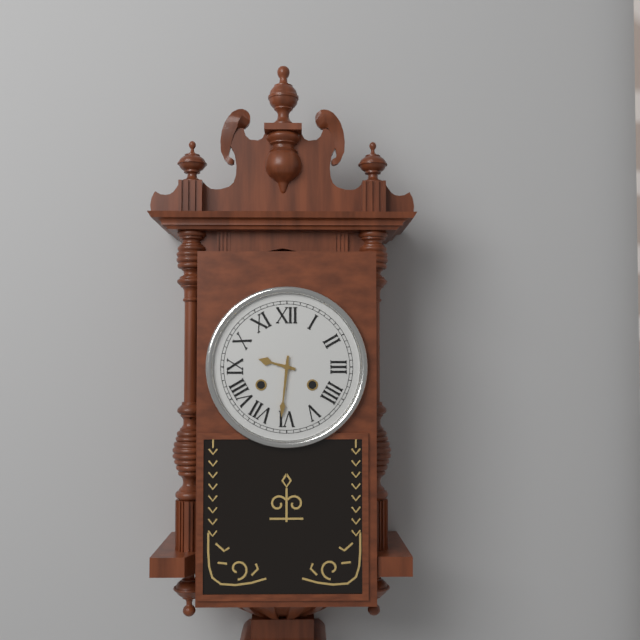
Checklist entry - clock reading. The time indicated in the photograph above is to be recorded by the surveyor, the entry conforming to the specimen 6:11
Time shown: 9:31
